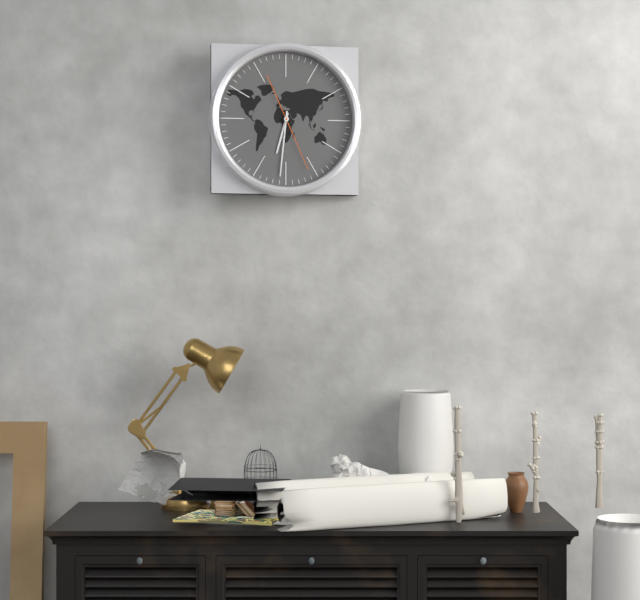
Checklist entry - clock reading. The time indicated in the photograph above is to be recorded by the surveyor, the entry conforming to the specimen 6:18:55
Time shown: 6:31:26
